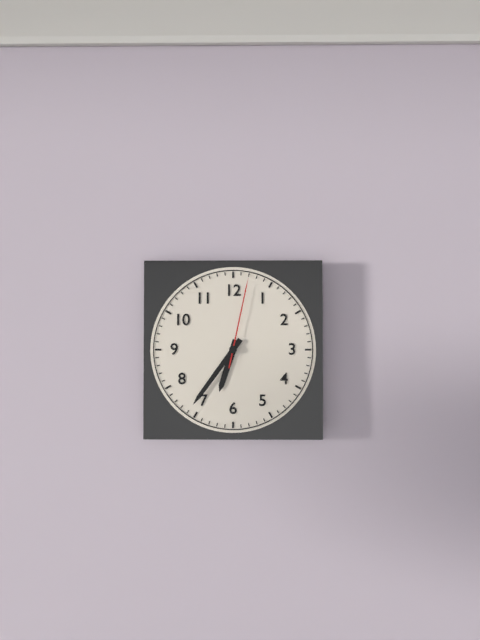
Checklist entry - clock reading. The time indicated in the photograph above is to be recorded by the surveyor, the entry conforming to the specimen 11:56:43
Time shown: 6:36:02
